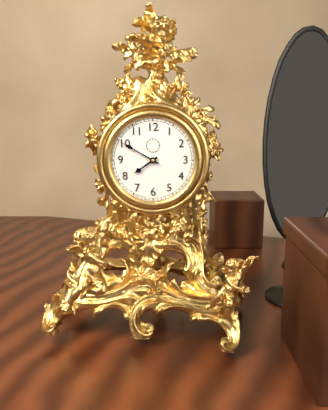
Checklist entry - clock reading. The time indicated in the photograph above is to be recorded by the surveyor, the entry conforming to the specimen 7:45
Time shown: 7:50
